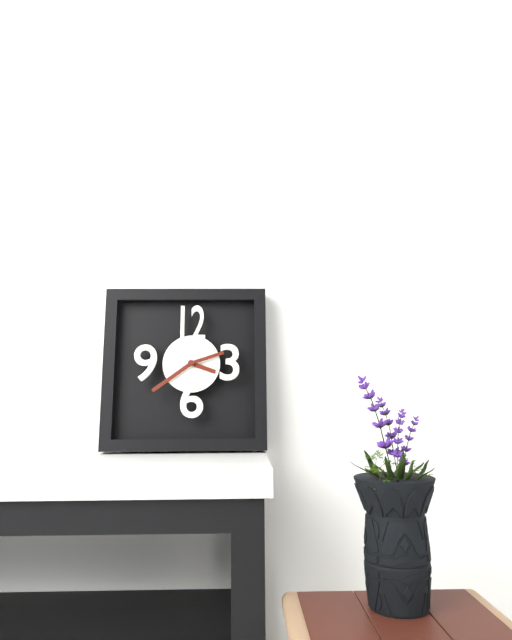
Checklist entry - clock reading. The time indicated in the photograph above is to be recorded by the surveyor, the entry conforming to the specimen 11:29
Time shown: 3:39
